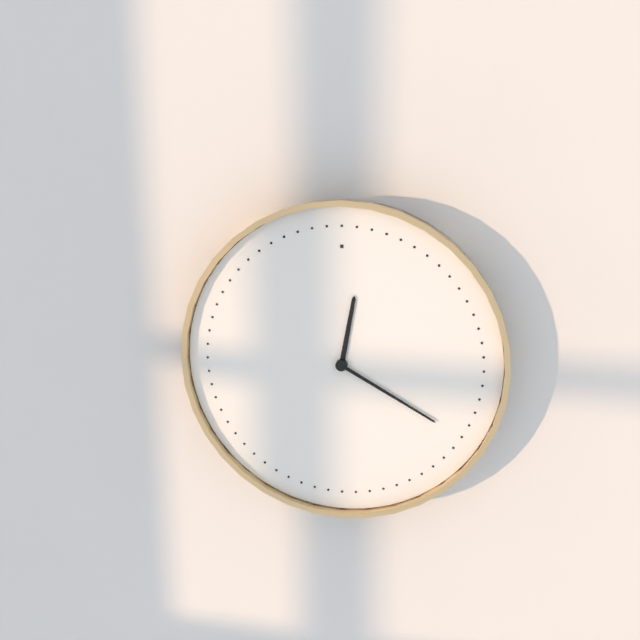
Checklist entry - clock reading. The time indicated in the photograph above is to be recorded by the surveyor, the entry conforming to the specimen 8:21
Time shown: 12:20
